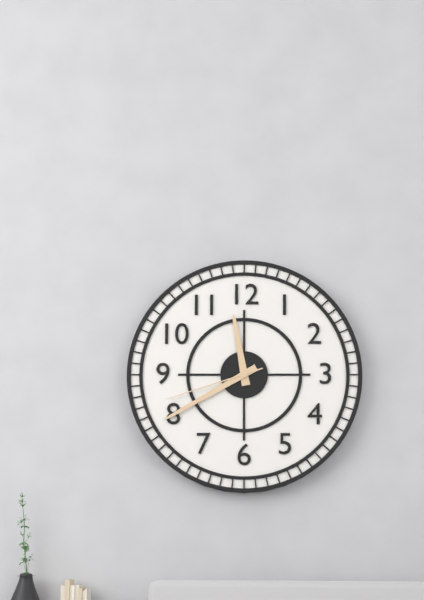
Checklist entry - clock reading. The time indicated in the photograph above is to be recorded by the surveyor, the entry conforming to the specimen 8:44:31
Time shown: 11:40:42
